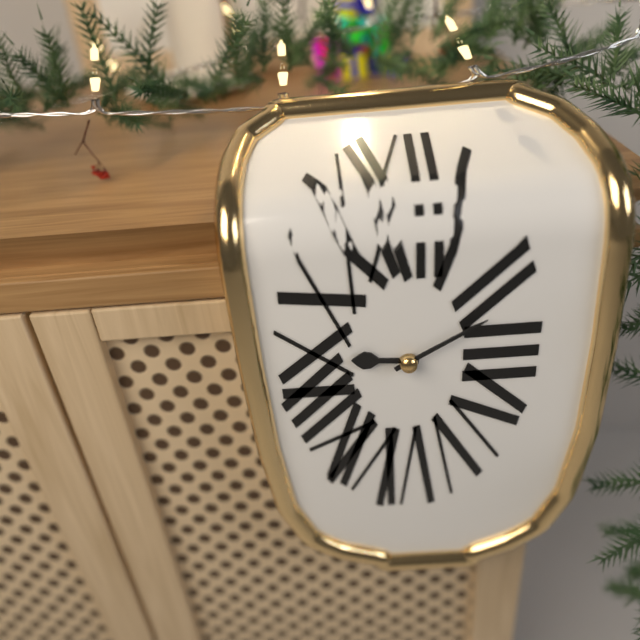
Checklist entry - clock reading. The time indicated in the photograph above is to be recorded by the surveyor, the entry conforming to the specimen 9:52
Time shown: 9:10
